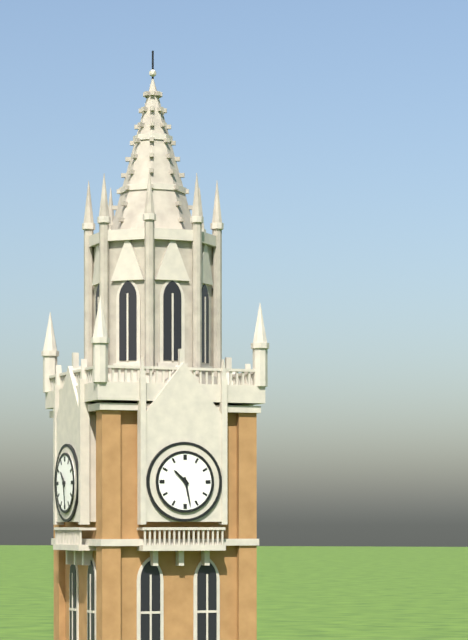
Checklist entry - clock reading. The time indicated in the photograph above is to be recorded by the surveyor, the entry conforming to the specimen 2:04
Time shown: 10:28
